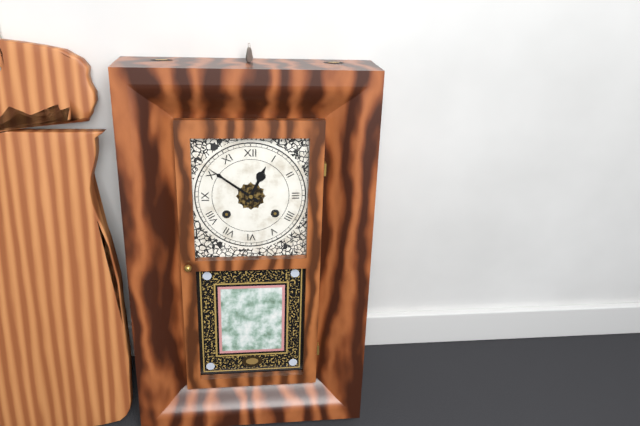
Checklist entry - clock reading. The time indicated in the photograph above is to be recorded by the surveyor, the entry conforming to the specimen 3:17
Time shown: 12:51
